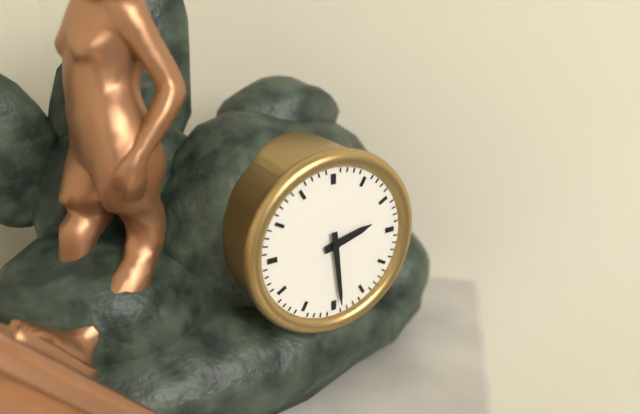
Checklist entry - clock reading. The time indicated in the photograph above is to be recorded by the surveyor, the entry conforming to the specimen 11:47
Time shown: 2:29
